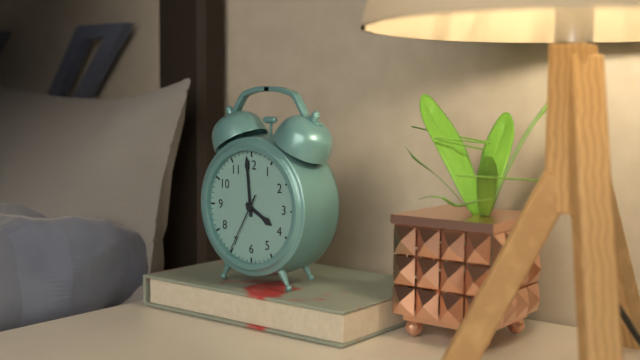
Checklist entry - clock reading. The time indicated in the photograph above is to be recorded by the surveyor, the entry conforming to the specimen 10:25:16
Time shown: 3:59:35
